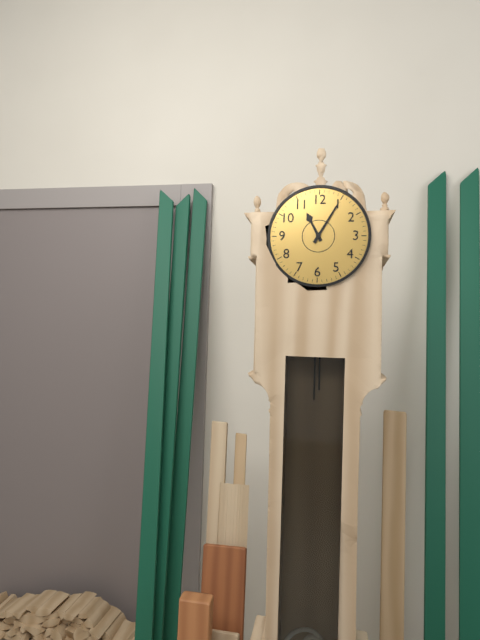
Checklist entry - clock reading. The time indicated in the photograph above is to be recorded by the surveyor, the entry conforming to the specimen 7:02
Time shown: 11:05
